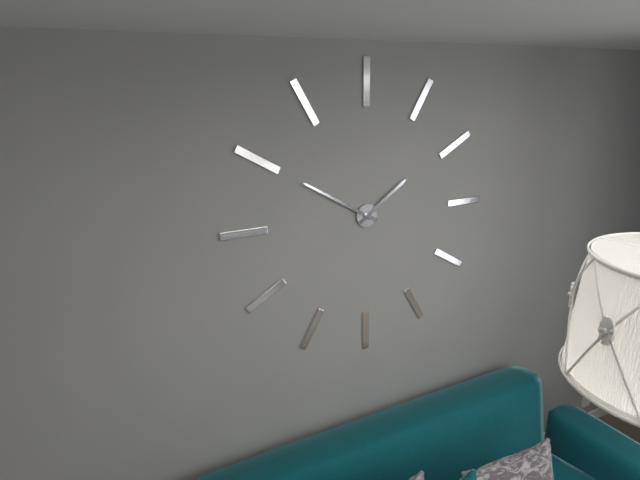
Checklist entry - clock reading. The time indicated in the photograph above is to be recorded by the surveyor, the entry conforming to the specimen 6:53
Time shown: 1:50
